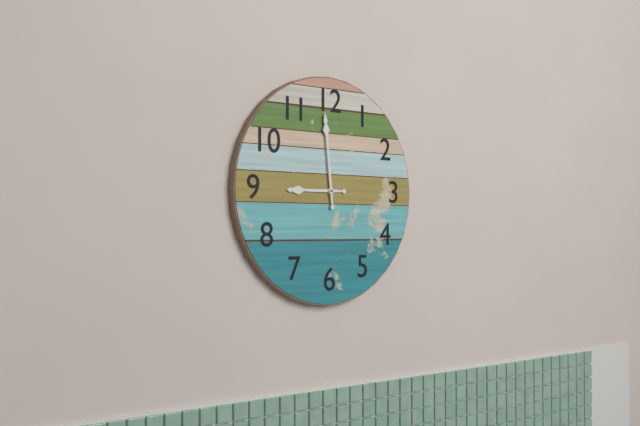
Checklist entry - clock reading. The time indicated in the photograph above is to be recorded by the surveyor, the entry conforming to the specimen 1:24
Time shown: 8:59
